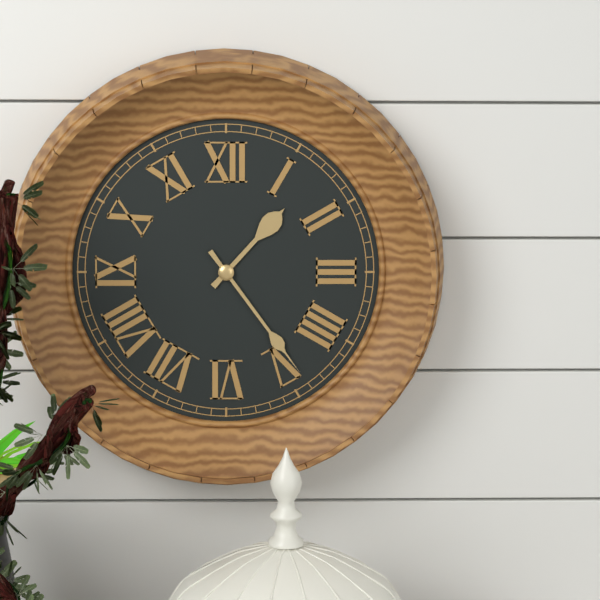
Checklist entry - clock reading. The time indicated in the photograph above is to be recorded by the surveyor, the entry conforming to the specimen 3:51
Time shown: 1:24
